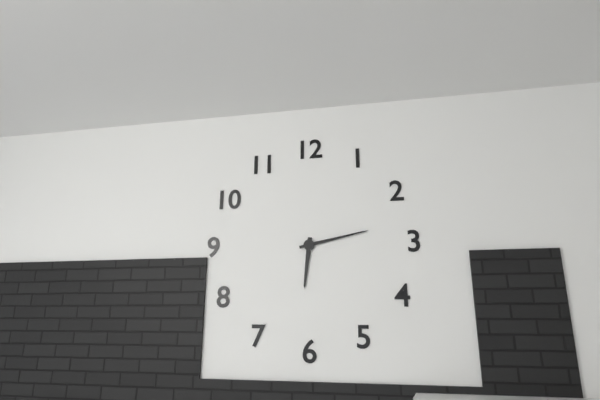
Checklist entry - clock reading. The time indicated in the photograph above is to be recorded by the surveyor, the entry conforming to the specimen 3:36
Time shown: 6:13
